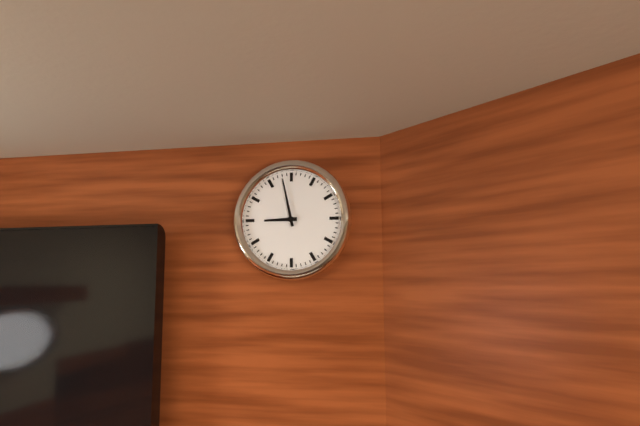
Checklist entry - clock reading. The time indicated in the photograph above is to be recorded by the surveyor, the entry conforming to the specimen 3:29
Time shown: 8:58
